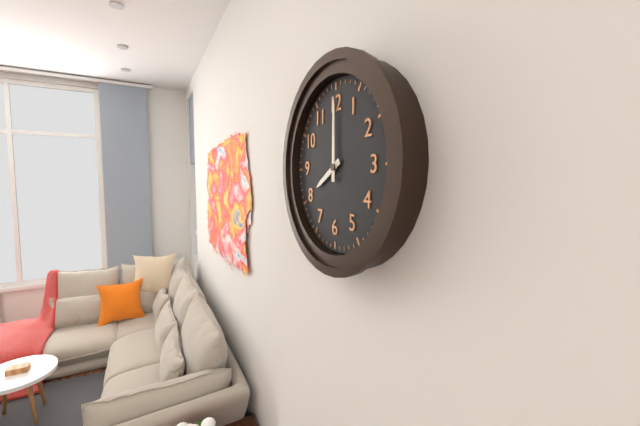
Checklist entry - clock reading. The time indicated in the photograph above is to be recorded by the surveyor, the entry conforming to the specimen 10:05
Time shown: 8:00
